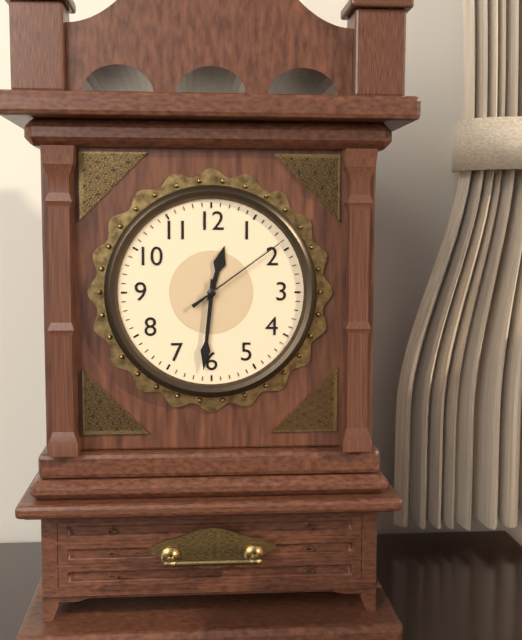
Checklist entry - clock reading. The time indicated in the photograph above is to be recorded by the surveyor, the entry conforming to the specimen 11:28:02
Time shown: 12:31:09
